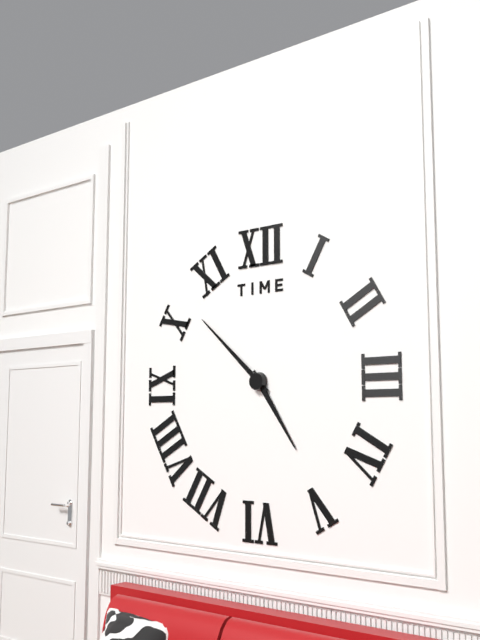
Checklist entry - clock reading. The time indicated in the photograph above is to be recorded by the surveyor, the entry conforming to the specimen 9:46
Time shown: 4:52
